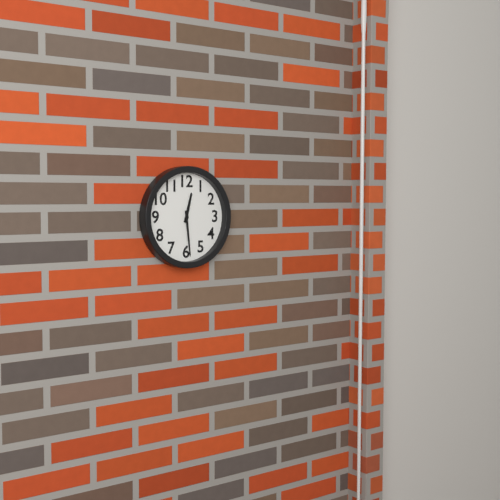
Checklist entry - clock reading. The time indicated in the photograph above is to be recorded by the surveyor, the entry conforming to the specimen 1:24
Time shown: 12:29
